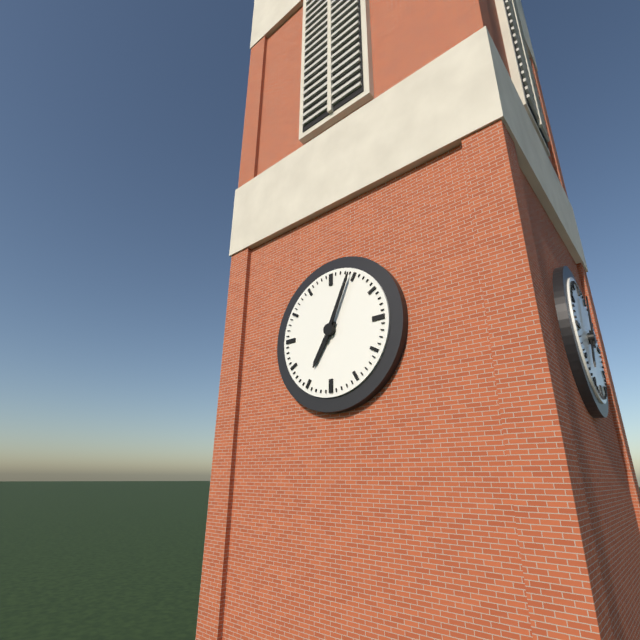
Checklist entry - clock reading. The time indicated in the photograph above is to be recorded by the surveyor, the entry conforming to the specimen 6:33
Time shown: 7:04
